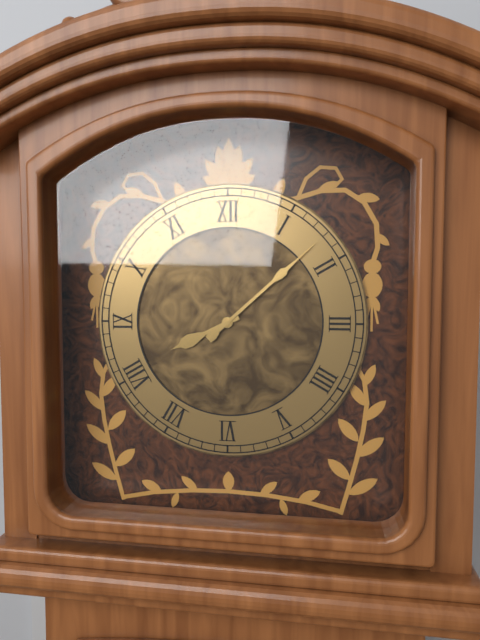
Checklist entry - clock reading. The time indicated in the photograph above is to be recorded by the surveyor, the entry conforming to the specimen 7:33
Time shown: 8:08
